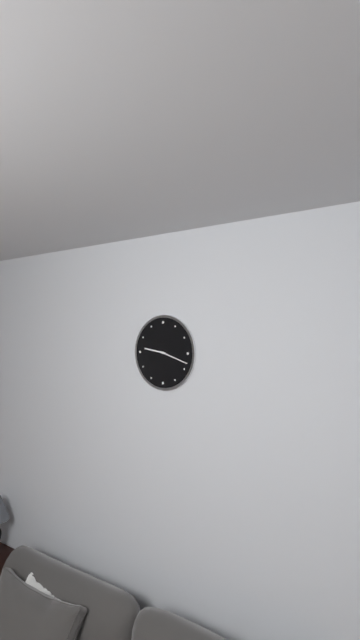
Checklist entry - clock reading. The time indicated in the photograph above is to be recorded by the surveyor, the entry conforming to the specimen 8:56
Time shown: 9:18
